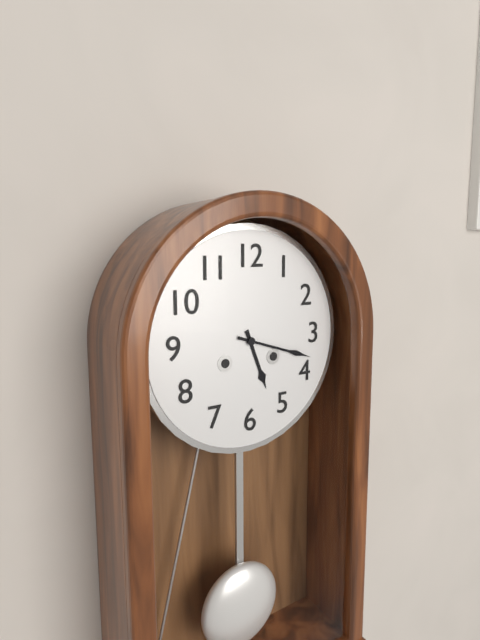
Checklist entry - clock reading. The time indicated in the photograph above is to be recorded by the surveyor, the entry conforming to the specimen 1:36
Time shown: 5:18
